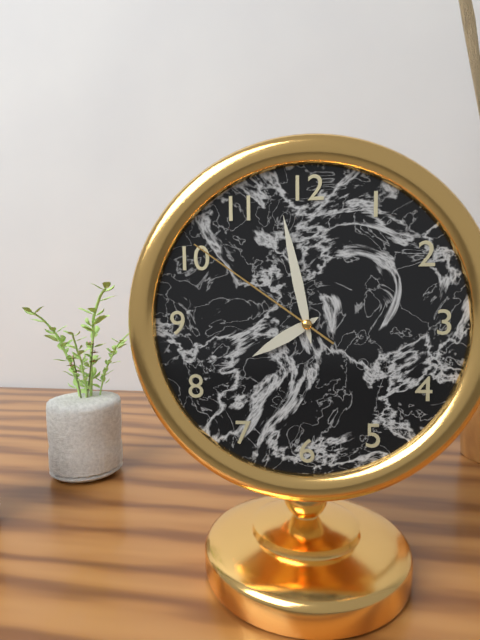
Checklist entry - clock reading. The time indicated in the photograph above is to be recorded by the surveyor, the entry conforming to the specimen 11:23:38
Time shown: 7:58:51
